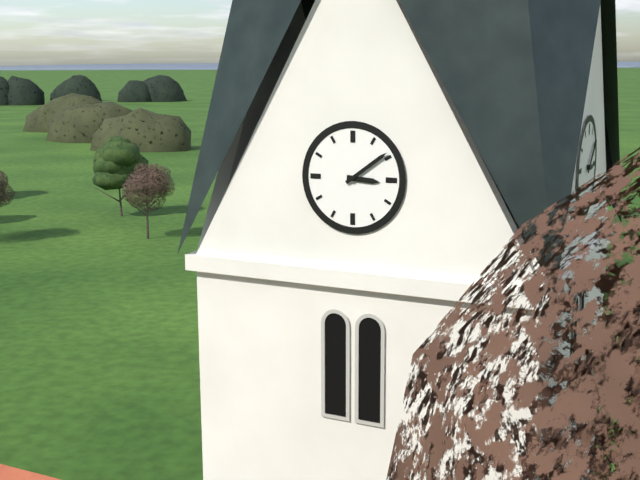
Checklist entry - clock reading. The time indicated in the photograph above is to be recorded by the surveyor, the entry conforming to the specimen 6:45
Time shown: 3:09
